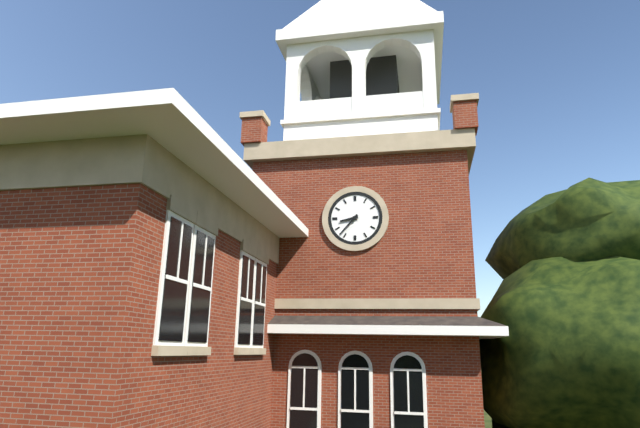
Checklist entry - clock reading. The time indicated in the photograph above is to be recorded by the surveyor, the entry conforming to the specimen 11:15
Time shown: 8:37
